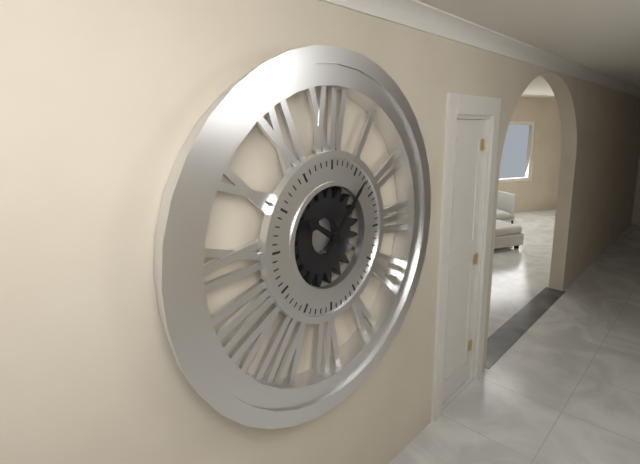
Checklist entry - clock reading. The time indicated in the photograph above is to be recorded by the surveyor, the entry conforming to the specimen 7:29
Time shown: 10:07
